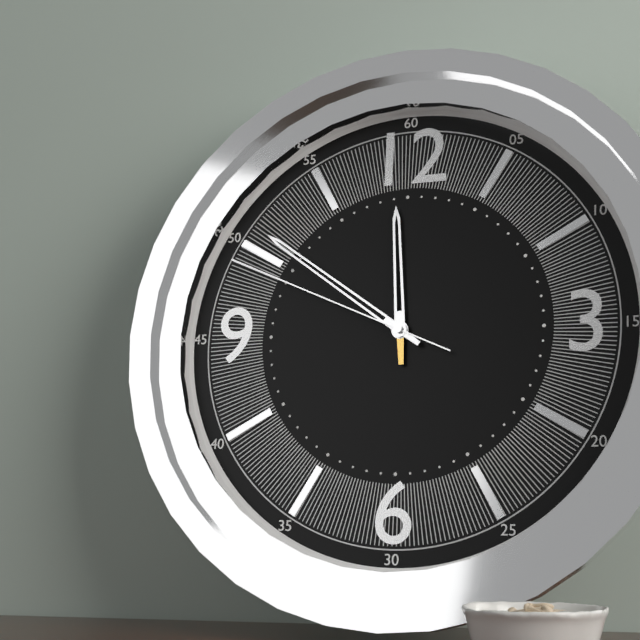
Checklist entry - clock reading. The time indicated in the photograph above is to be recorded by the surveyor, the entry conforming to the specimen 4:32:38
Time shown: 11:51:49
